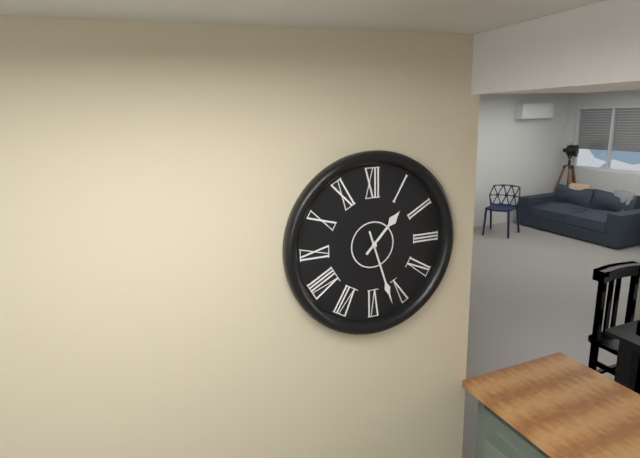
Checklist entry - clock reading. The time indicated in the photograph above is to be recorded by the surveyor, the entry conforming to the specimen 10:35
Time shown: 1:27
